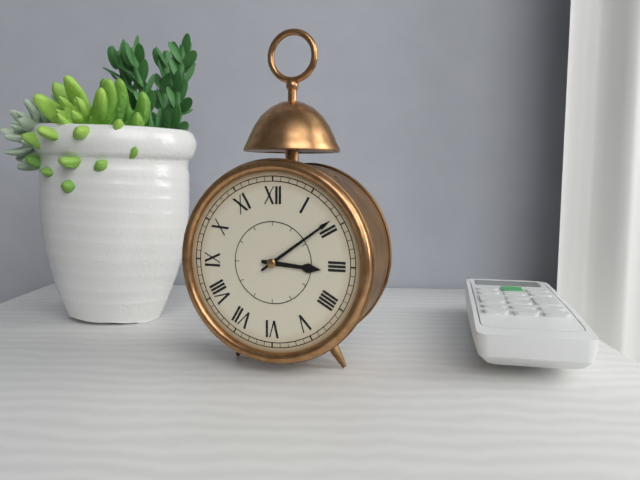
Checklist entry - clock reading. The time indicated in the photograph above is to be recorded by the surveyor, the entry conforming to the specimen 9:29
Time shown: 3:09
